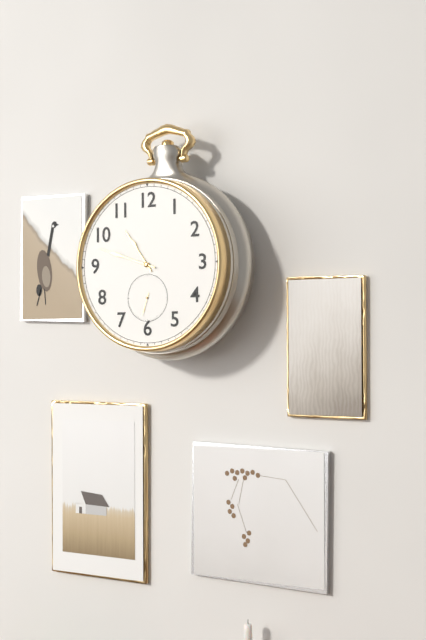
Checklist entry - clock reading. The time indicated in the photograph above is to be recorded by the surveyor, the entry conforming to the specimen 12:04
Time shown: 10:48
